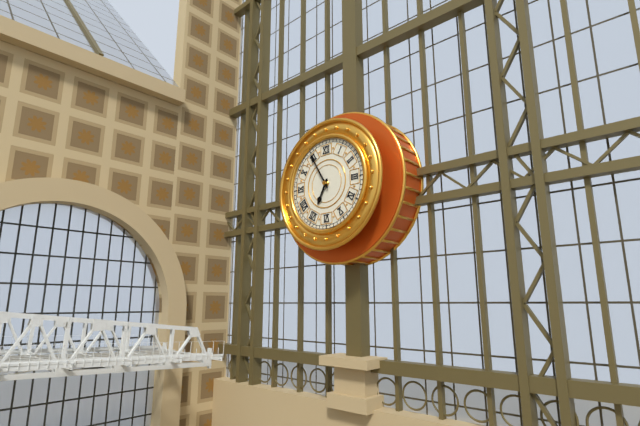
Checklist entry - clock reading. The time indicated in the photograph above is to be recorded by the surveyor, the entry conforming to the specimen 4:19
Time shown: 6:55
